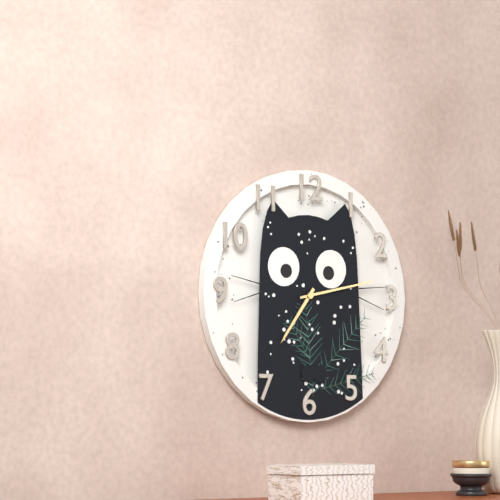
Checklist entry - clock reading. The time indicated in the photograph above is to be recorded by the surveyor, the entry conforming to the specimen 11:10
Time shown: 7:13
